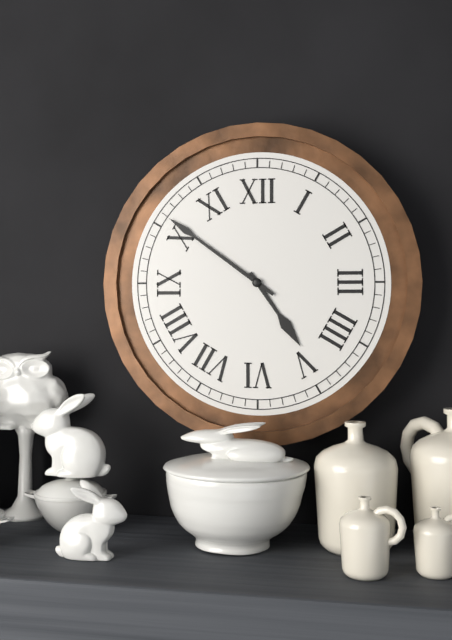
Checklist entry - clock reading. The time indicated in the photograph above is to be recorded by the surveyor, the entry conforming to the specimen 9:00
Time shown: 4:51
